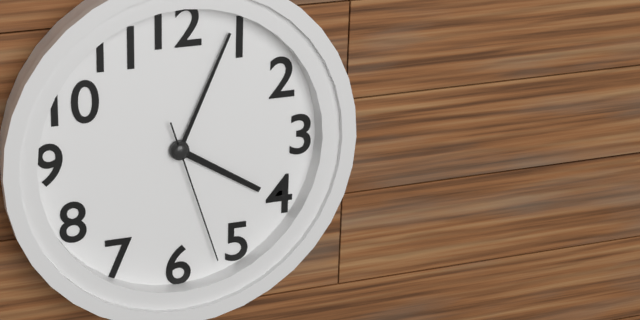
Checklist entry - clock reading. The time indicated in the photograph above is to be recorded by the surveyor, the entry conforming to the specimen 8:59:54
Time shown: 4:04:27
